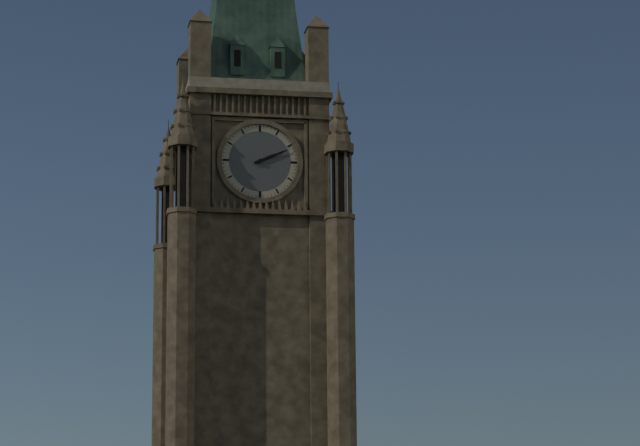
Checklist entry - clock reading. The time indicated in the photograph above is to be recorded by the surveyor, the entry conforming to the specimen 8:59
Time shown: 2:11
